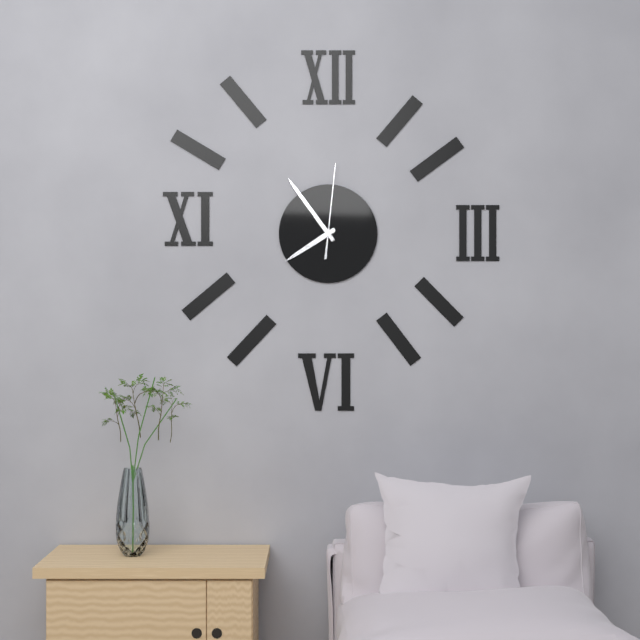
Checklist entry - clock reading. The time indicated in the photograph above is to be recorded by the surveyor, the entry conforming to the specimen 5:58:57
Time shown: 7:54:01
